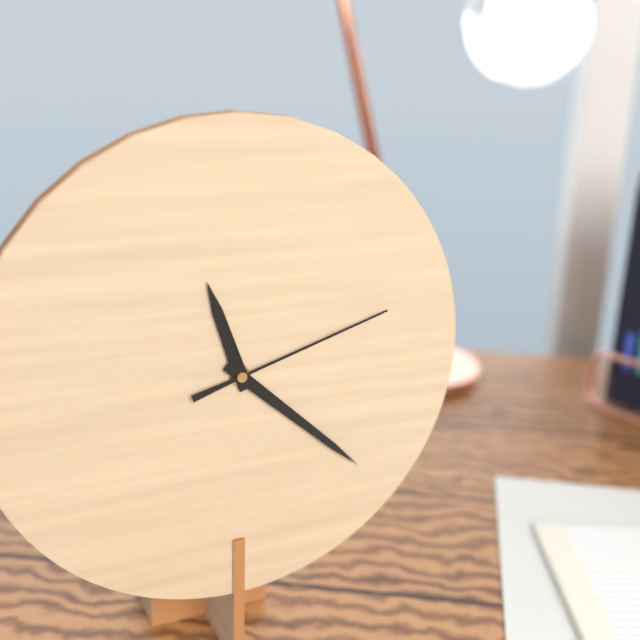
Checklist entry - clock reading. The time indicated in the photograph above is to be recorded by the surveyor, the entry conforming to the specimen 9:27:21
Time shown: 11:22:12
